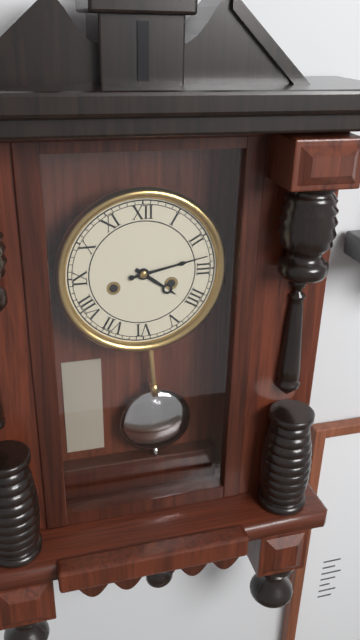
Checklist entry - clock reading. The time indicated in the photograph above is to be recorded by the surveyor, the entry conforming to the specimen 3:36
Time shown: 4:13
